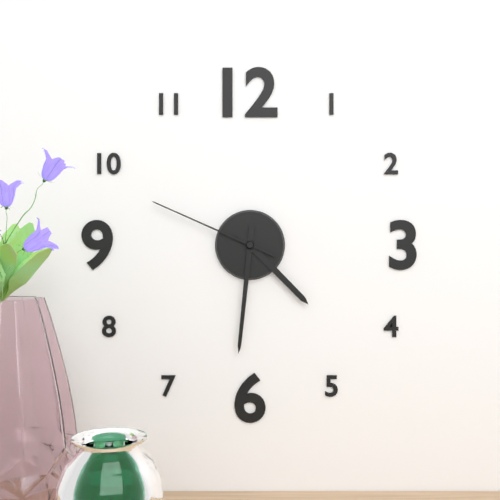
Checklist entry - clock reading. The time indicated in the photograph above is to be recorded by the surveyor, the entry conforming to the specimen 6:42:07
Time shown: 4:31:49
